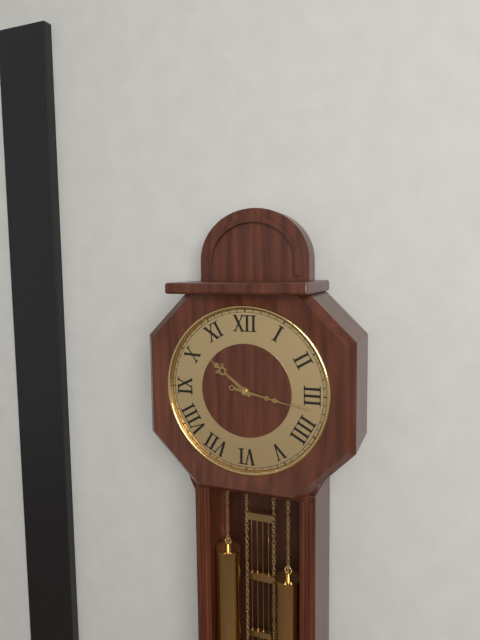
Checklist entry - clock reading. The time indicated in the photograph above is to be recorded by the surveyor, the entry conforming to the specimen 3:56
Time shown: 10:17
